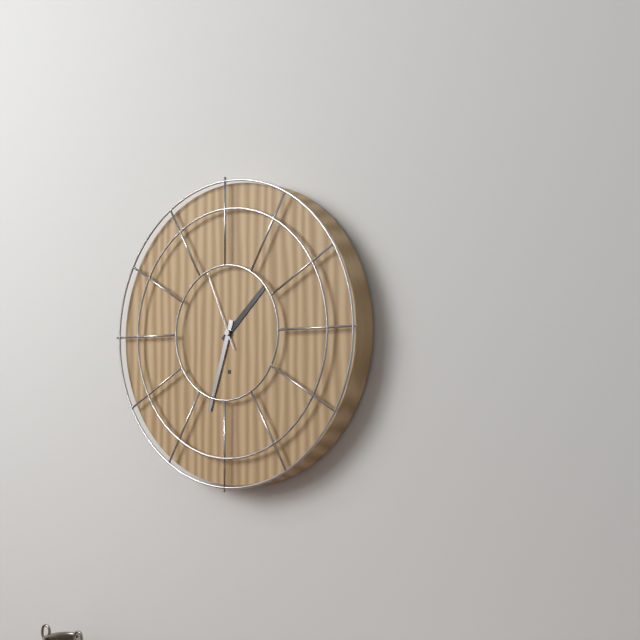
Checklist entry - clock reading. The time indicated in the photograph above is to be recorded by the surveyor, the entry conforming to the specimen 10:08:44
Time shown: 1:33:56
